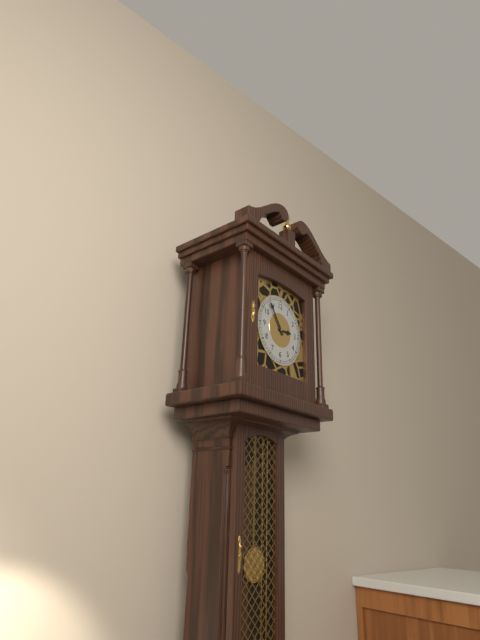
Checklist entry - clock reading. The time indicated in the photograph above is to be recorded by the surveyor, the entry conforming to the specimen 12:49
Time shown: 2:54
